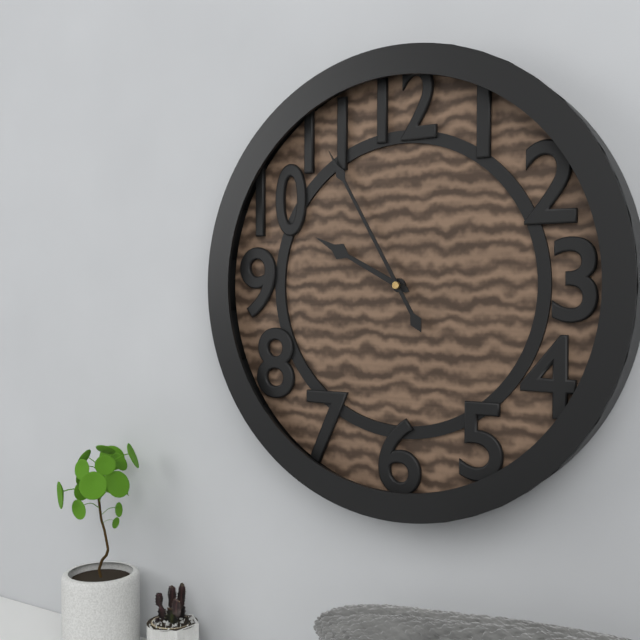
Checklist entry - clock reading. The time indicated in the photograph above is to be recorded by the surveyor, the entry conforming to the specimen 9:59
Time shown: 9:55
